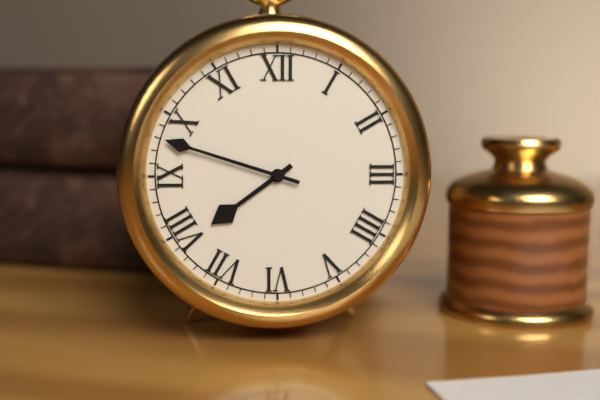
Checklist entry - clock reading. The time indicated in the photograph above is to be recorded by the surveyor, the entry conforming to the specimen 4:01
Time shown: 7:48
